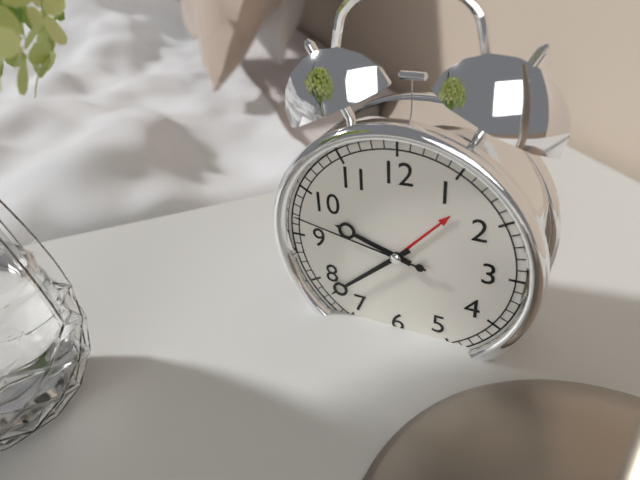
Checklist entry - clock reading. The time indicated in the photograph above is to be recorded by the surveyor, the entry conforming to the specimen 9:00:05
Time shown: 9:38:47
